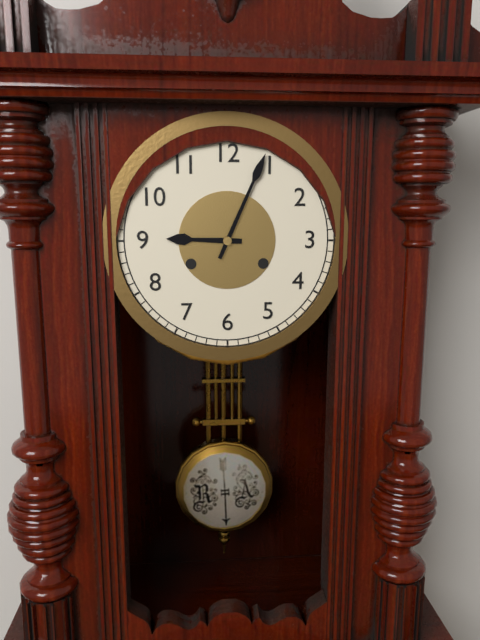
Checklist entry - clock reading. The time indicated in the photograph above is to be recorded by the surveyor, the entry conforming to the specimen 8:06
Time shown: 9:04
